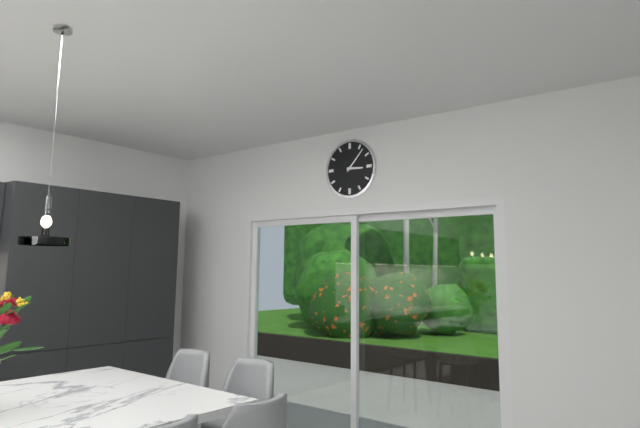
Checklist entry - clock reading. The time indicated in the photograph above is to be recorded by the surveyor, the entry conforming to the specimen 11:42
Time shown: 3:07
